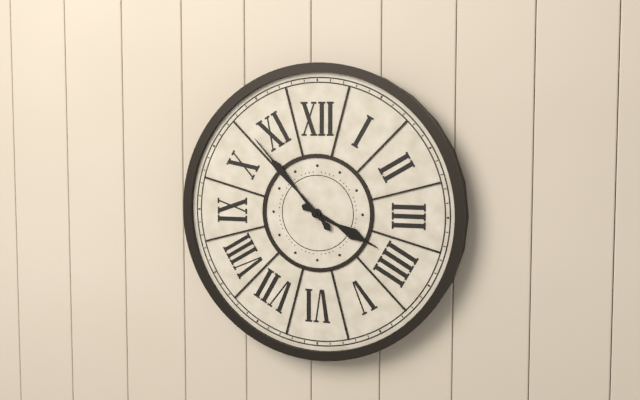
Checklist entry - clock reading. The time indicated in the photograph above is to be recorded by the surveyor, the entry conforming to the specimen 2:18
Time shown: 3:53
